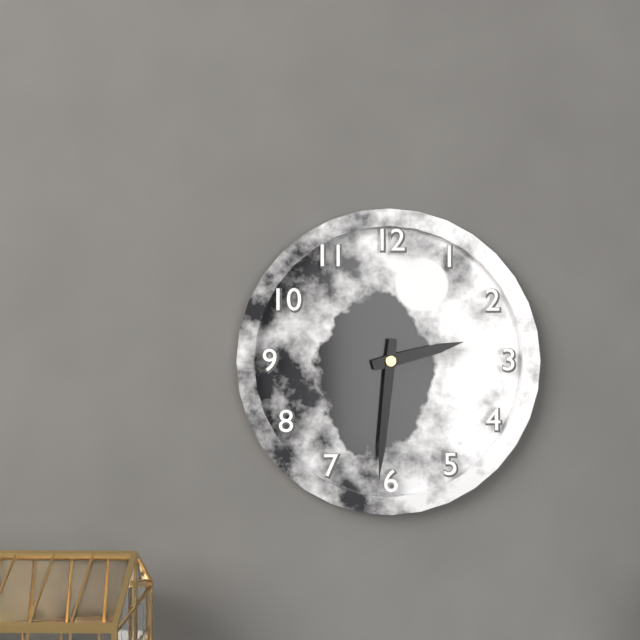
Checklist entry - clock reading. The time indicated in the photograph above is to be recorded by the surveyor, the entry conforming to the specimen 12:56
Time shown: 2:31
